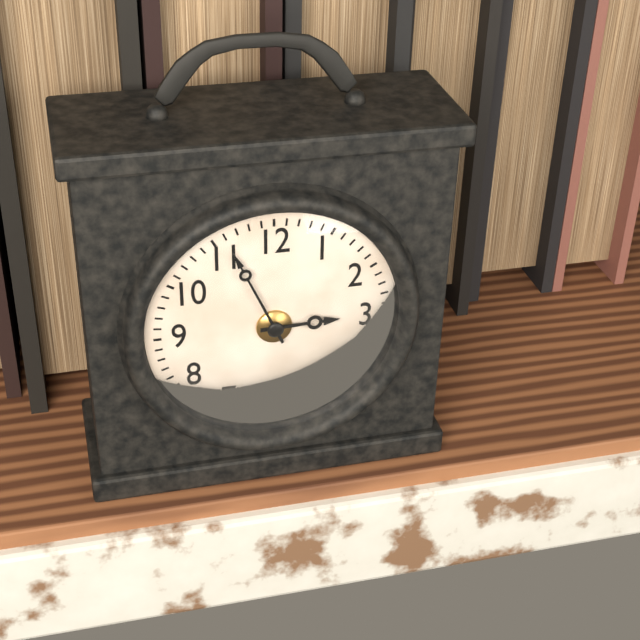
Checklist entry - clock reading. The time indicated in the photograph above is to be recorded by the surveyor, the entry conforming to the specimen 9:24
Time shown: 2:56
